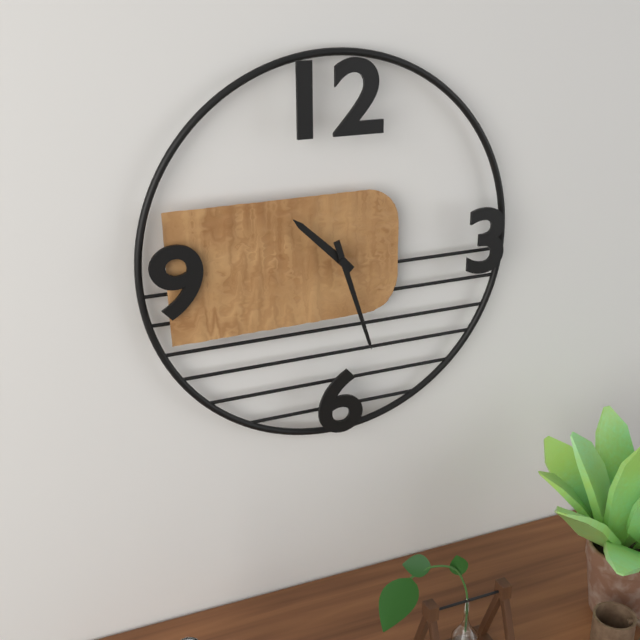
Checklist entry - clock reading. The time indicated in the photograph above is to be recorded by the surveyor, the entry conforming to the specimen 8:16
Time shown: 10:27
